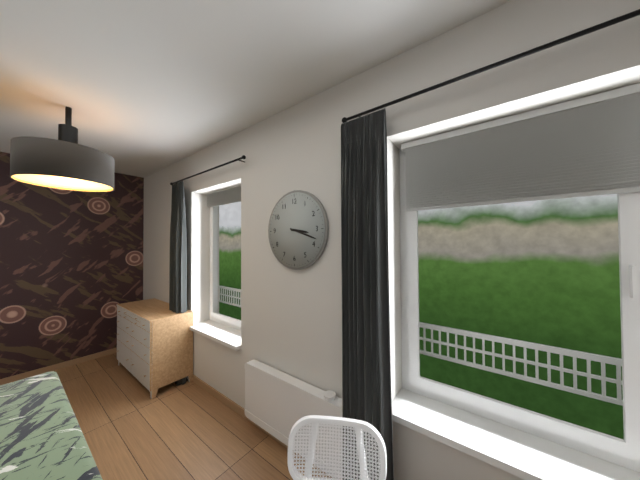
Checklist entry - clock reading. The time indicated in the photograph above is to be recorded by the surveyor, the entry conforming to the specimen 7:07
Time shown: 3:18
